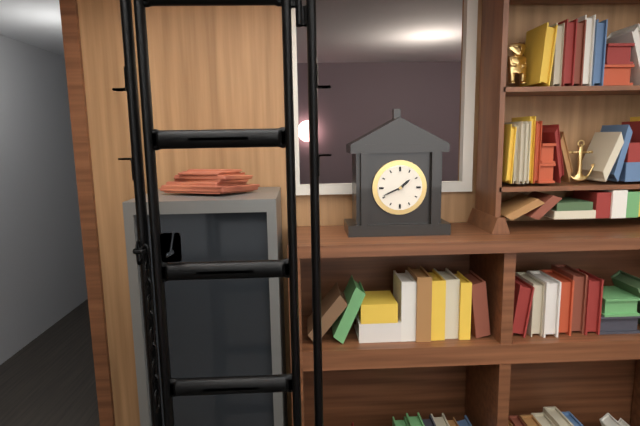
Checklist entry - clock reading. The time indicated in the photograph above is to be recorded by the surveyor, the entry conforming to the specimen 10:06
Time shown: 1:41
